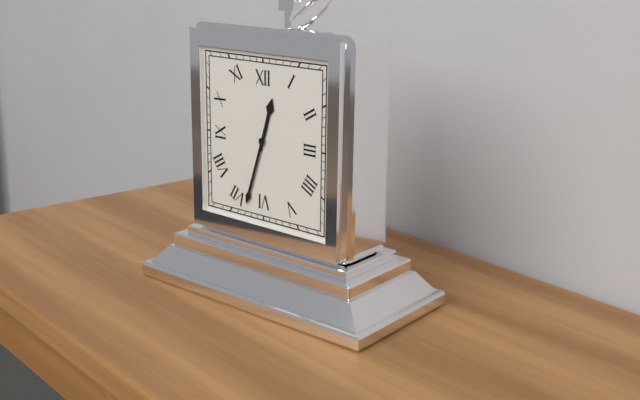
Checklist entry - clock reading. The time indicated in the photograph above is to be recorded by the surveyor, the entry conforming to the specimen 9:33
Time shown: 12:33
